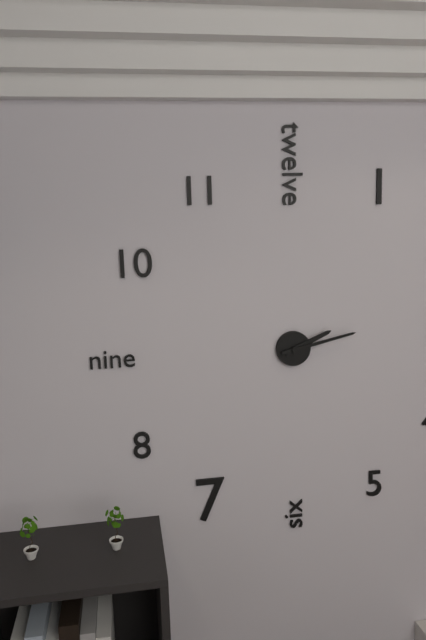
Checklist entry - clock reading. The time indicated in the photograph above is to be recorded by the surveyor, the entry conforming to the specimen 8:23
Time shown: 2:13
